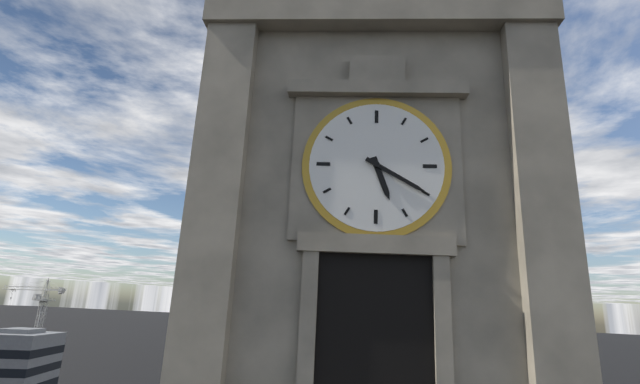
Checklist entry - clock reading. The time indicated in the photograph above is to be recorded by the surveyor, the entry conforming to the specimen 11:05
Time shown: 5:20
